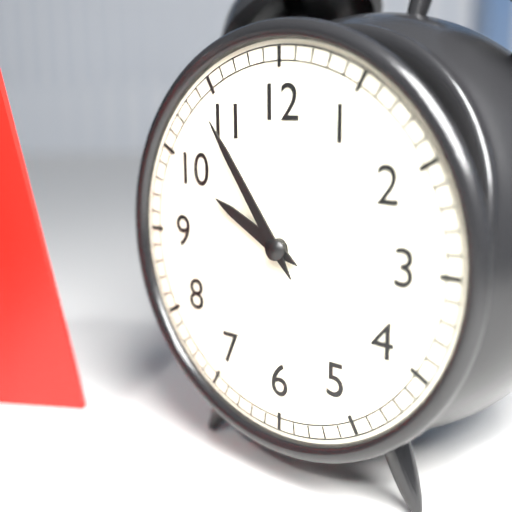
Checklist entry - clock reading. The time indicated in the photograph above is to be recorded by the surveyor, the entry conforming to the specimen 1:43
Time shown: 9:54
